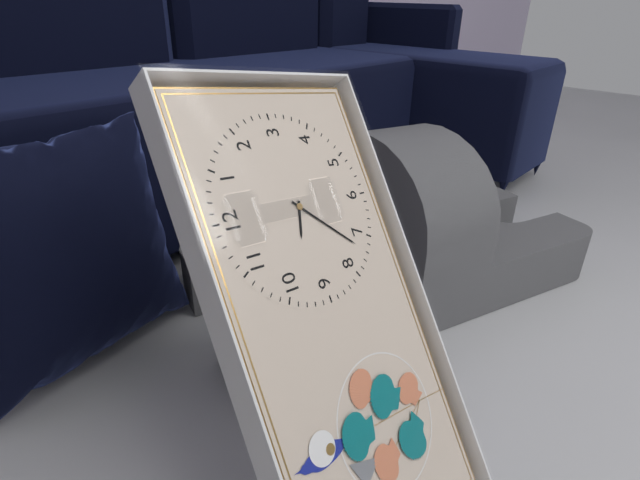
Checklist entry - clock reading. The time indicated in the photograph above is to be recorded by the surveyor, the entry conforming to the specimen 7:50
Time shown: 9:37
